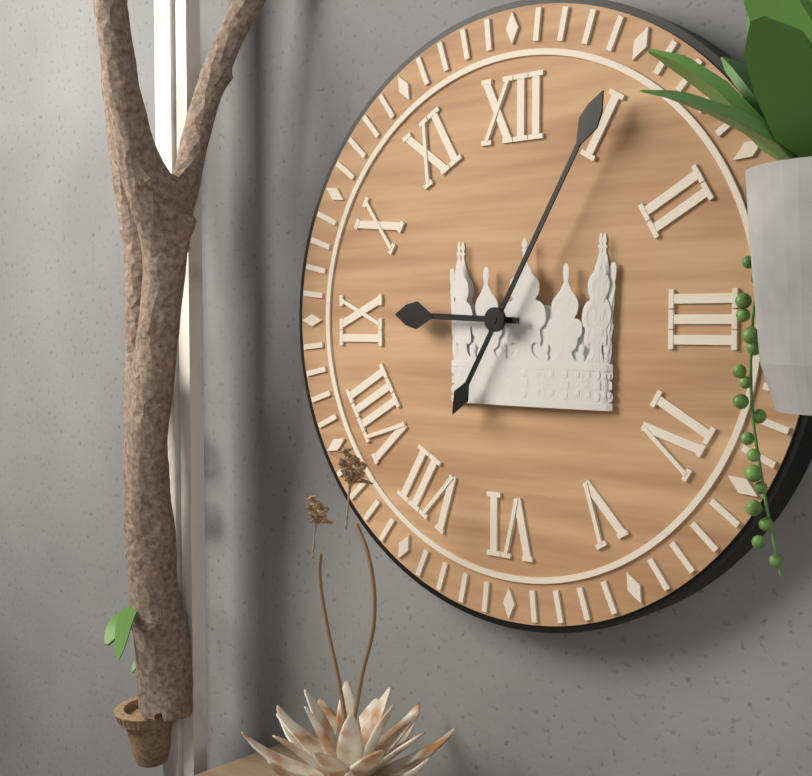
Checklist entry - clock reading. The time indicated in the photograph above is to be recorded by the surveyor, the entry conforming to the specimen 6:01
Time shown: 9:05
